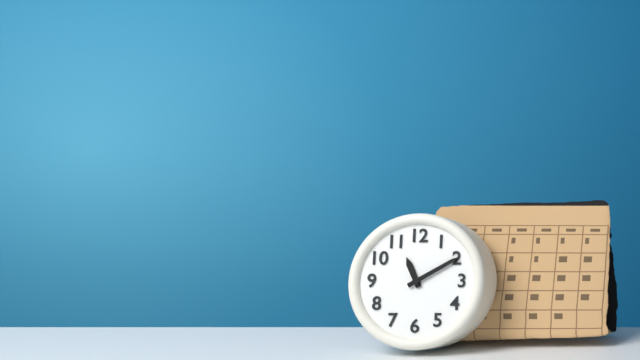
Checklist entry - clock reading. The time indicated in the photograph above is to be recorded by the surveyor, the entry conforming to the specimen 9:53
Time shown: 11:10
